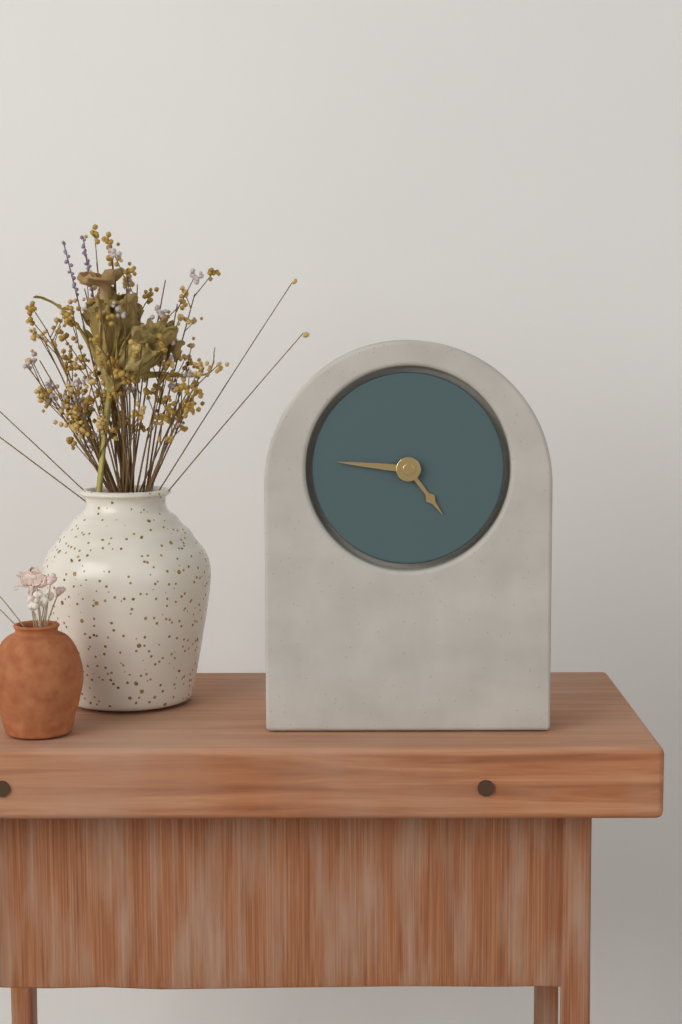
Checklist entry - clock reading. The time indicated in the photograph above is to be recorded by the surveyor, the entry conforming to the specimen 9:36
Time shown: 4:46
